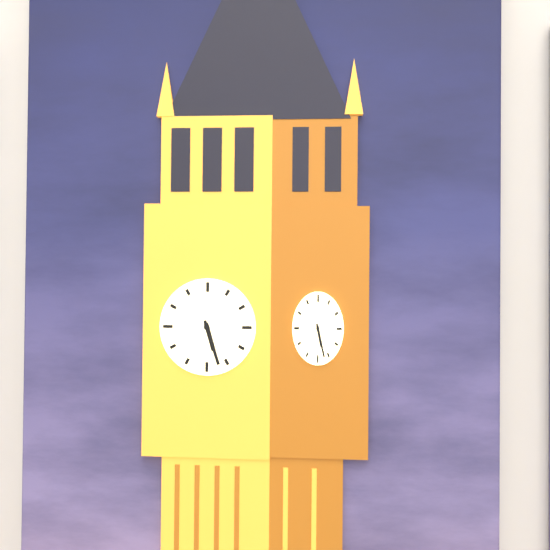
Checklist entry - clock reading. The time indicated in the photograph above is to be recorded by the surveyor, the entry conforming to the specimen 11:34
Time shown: 5:27
